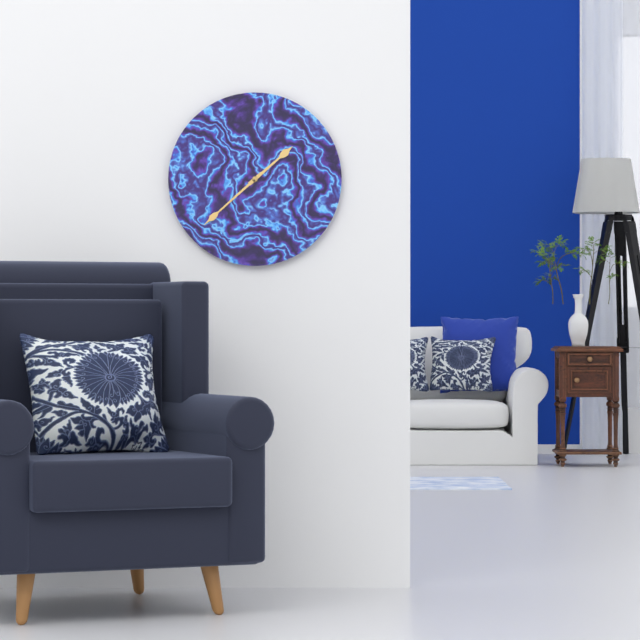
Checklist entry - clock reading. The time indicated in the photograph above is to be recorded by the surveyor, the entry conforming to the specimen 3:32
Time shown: 1:38
